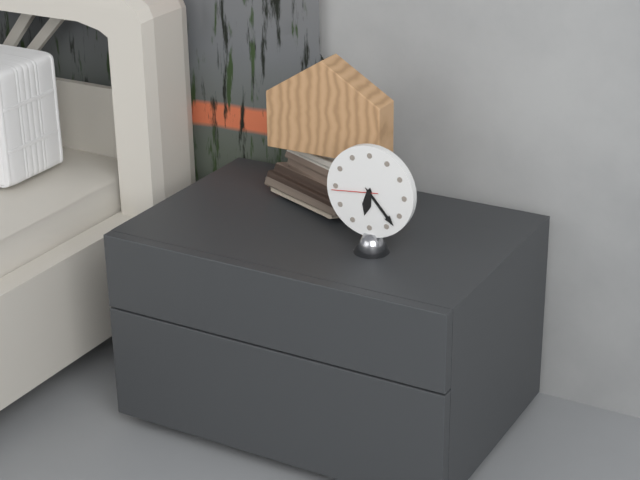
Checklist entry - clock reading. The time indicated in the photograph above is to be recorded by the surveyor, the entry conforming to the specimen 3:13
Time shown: 6:23
